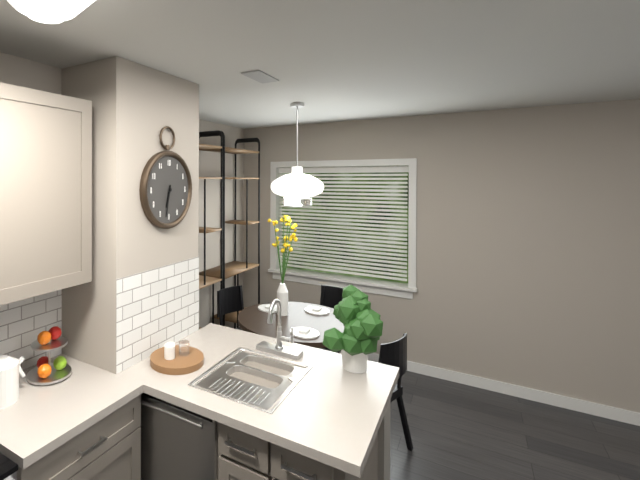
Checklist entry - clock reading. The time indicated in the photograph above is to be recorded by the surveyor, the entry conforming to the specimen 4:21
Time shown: 6:32
